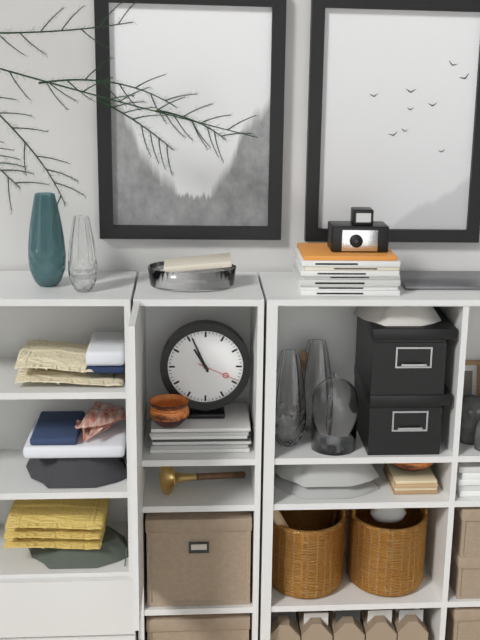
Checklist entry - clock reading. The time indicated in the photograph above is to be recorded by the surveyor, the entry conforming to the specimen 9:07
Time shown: 10:56
